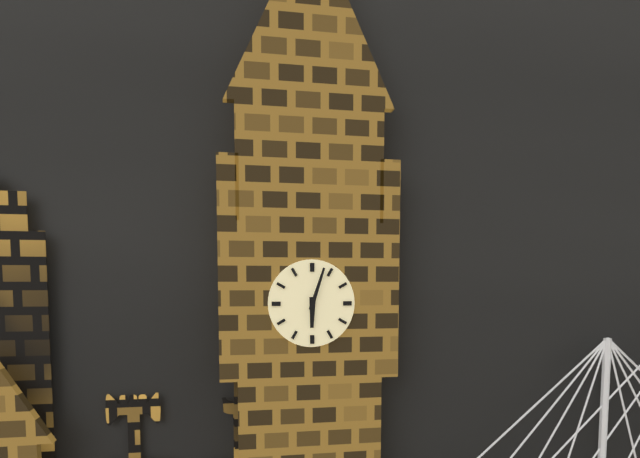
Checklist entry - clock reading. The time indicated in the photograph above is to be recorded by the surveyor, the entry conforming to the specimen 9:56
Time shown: 6:03
